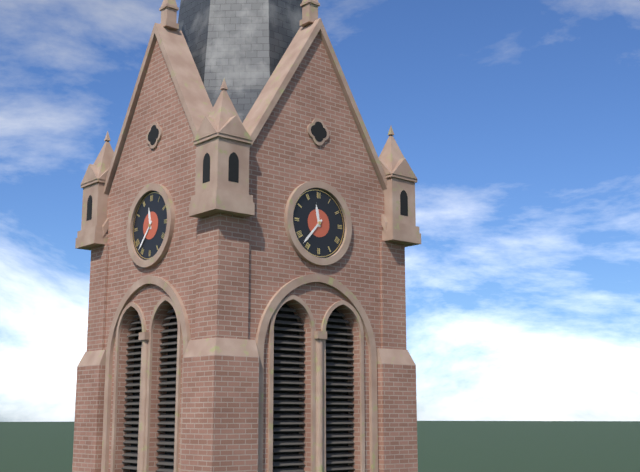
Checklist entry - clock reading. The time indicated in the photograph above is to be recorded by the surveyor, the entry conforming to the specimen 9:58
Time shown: 11:37
